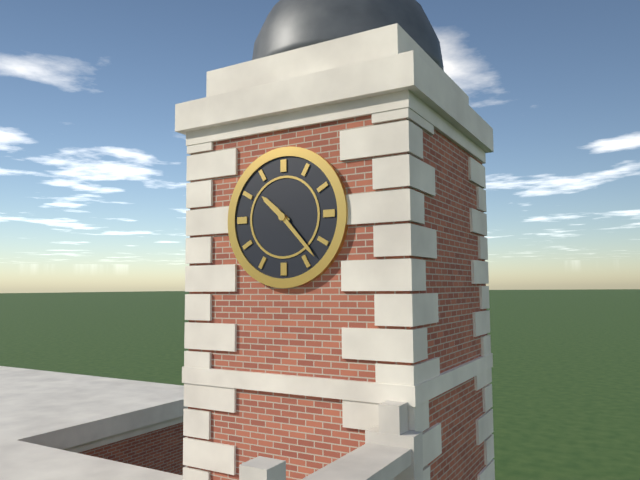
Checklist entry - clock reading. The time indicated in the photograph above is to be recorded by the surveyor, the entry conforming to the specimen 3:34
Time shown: 10:23
